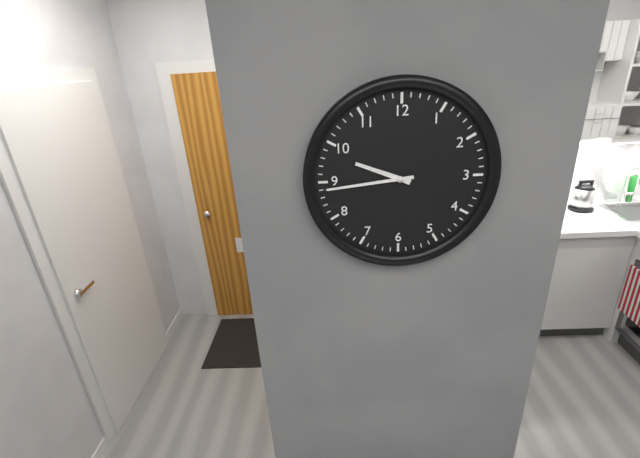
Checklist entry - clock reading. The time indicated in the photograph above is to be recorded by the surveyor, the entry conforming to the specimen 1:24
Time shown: 9:44
